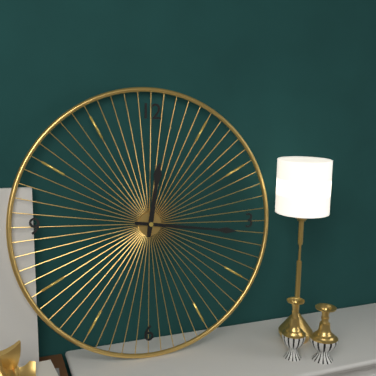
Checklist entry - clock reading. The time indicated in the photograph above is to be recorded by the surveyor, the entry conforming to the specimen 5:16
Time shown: 12:16
